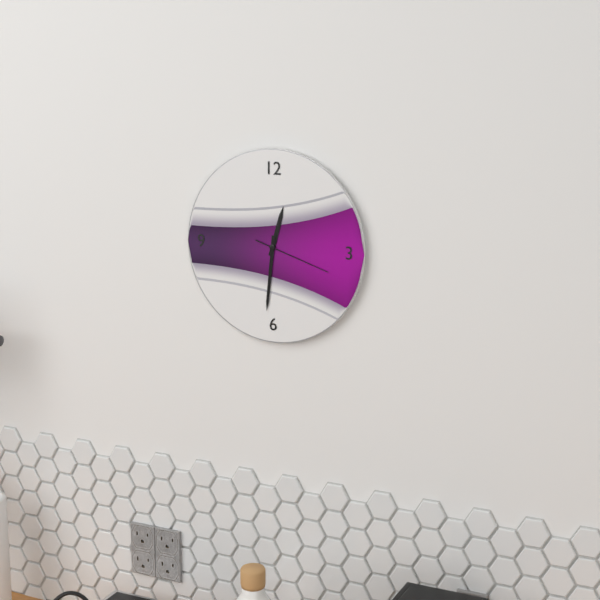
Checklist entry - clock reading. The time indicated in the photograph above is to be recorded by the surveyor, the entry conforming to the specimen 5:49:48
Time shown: 12:31:18
